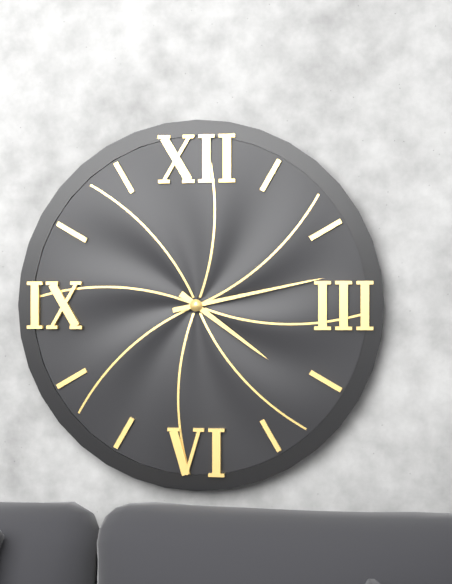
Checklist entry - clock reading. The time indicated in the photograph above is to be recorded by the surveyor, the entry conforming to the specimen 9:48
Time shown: 4:13
